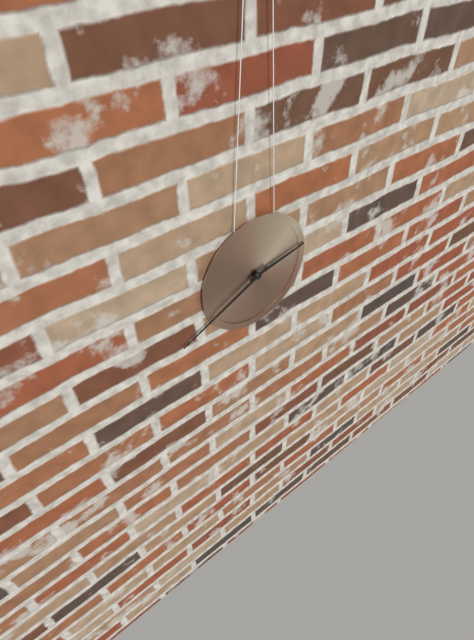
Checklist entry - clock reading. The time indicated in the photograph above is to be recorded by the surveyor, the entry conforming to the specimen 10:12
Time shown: 2:41
